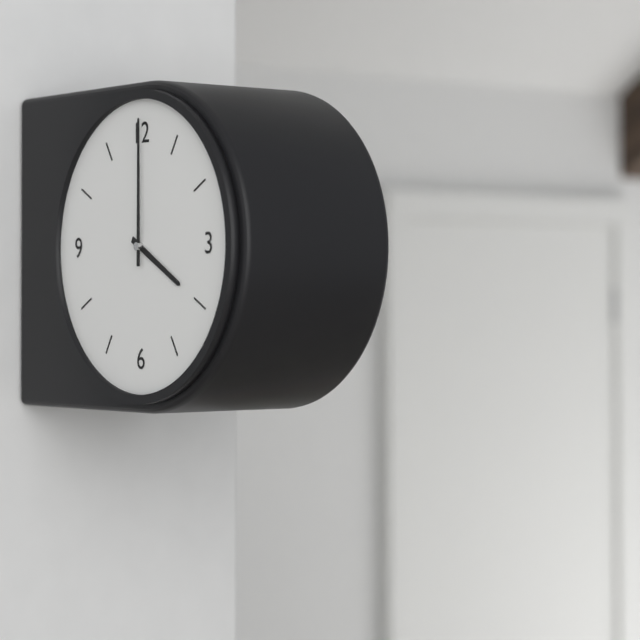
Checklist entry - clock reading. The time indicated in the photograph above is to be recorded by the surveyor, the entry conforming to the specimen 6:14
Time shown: 4:00
